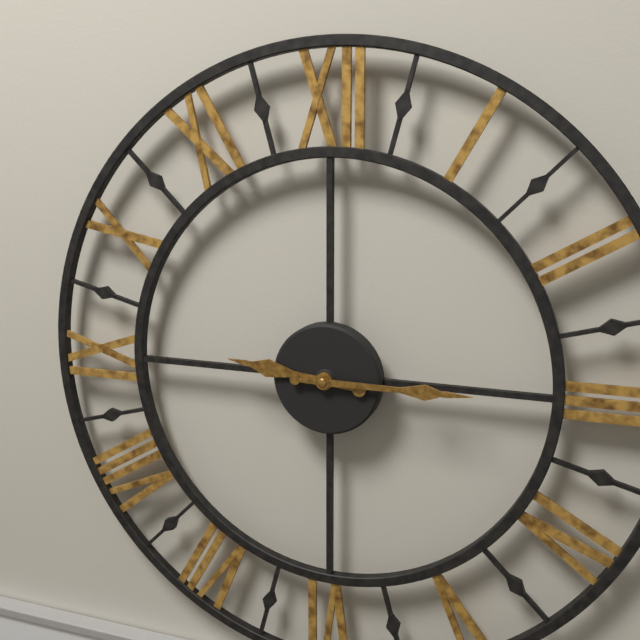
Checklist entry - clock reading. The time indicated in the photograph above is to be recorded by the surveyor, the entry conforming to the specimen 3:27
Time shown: 9:15
